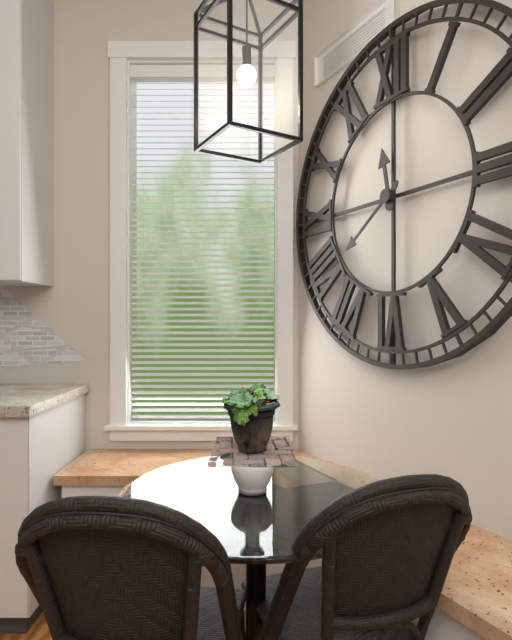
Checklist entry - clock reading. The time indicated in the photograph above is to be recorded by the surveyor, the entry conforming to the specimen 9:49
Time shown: 11:39
